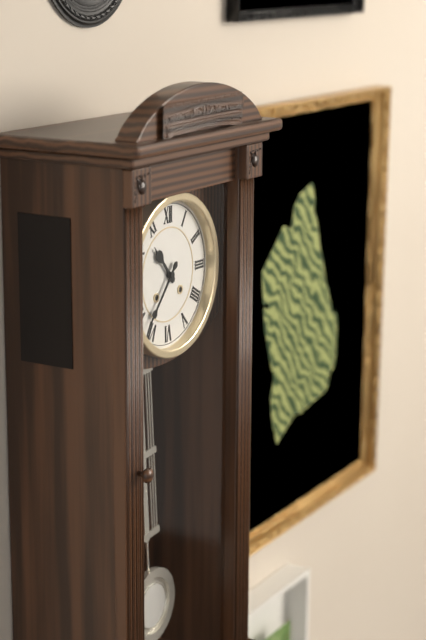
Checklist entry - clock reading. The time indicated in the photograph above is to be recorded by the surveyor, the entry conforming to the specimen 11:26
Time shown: 10:37
